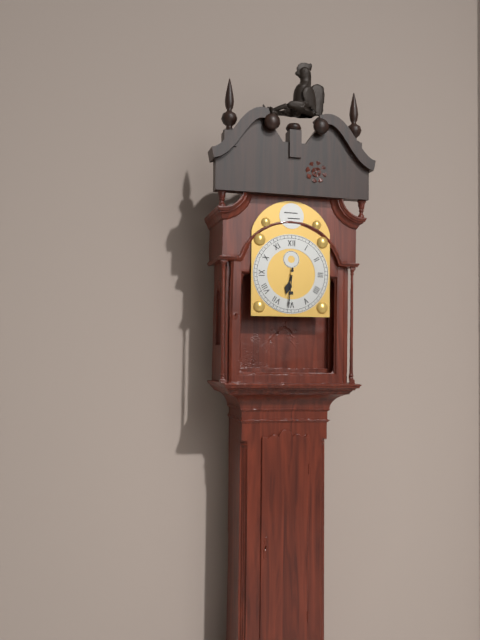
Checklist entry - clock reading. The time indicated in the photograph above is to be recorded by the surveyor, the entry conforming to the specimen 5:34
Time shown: 6:31
